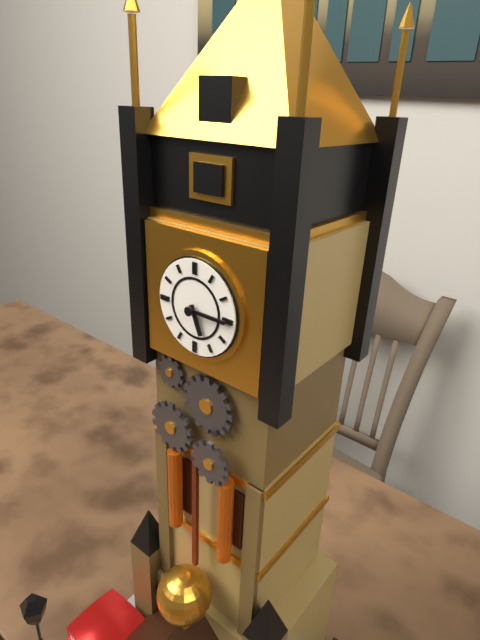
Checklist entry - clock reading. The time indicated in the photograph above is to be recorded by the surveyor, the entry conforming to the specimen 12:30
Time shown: 5:15
